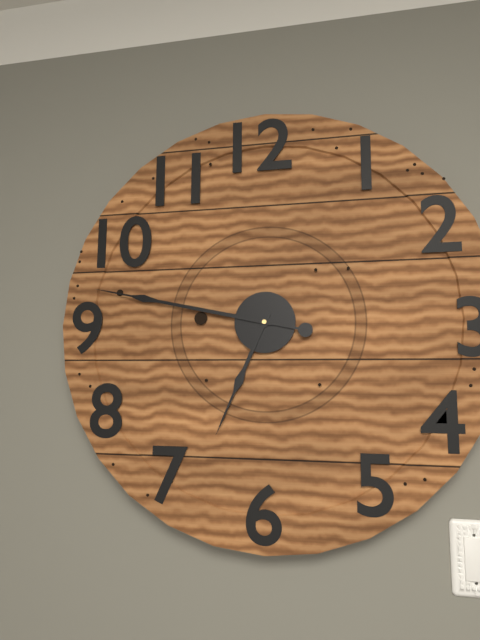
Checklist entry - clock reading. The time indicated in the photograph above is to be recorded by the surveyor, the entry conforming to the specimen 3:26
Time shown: 6:47
